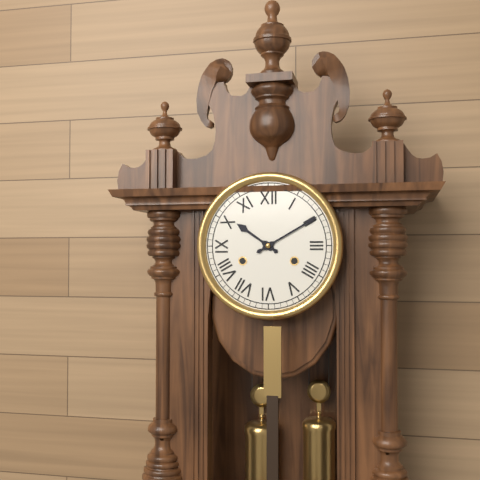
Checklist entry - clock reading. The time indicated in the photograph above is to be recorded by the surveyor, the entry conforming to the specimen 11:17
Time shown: 10:10
